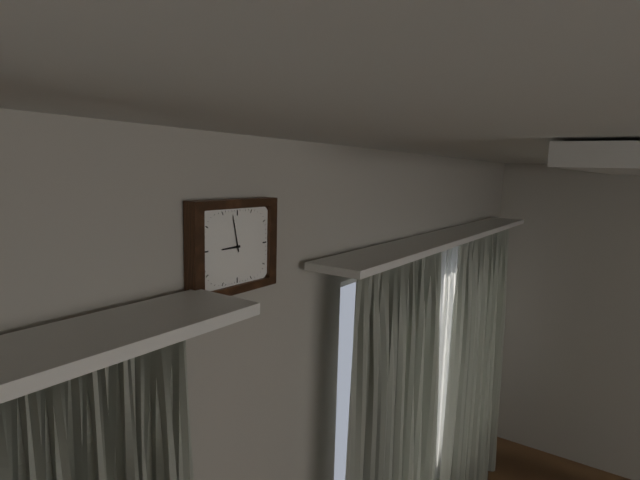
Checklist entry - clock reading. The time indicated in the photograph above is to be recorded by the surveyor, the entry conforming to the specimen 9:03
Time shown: 8:58
